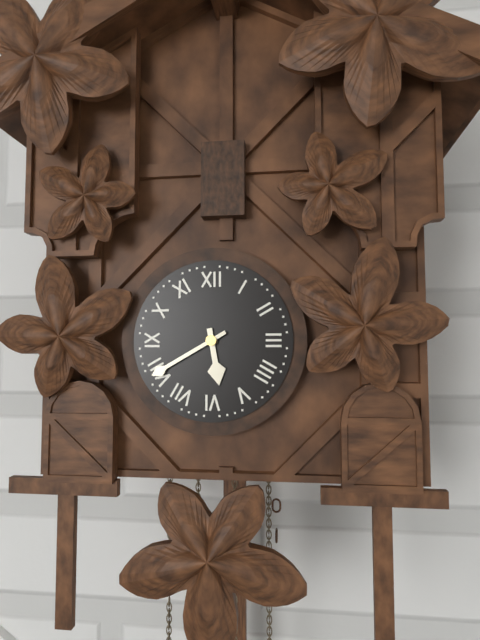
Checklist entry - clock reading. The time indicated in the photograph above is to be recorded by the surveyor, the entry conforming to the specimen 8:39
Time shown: 5:40
